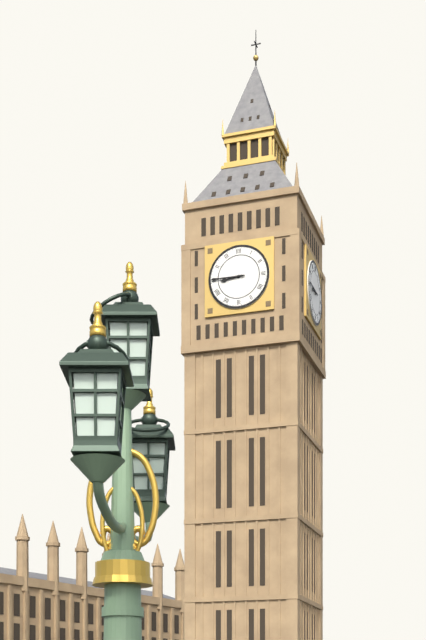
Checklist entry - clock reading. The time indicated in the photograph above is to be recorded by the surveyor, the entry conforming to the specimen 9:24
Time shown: 8:45
